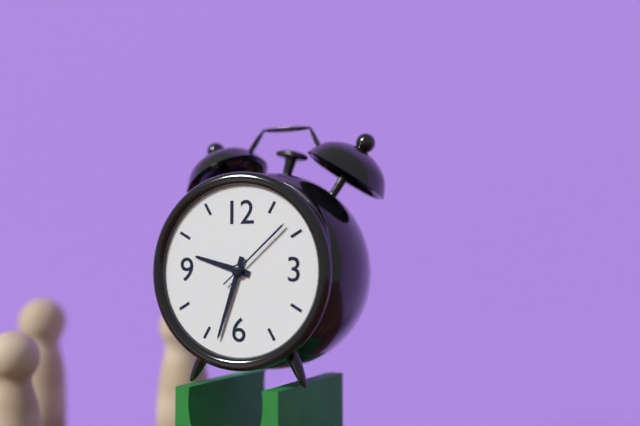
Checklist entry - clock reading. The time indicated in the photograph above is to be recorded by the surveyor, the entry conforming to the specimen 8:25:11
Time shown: 9:33:08
